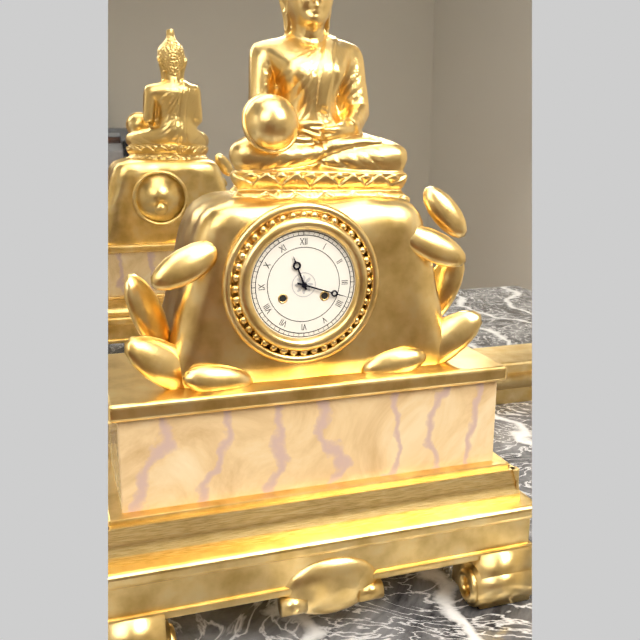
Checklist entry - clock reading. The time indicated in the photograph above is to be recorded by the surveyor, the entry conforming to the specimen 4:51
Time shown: 11:18
